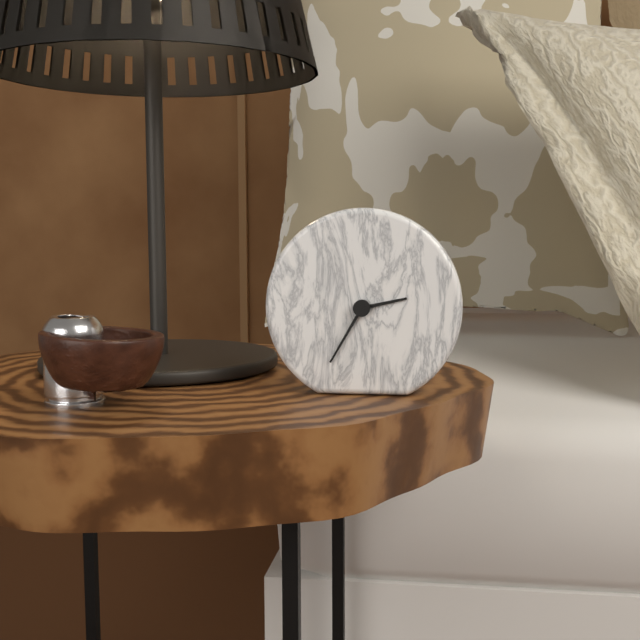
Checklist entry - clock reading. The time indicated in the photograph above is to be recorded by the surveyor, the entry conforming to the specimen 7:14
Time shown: 2:35
